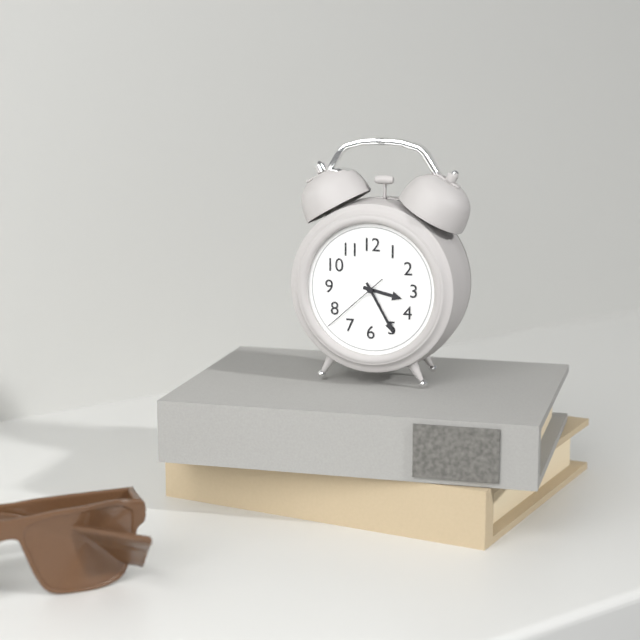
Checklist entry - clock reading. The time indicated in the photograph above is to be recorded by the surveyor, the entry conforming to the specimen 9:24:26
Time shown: 3:25:38
